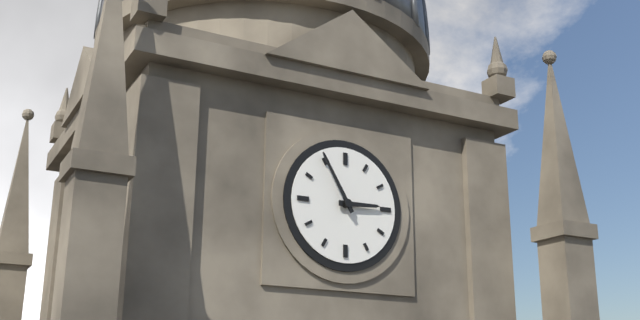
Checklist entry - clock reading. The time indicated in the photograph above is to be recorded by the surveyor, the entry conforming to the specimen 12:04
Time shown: 2:55
